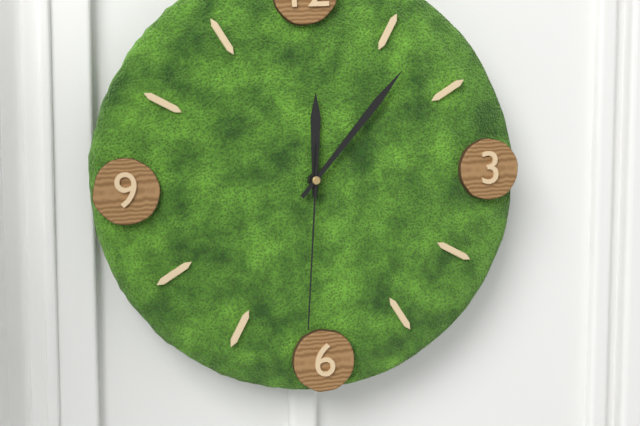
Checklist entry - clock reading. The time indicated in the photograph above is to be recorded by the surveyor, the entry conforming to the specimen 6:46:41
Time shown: 12:07:31
